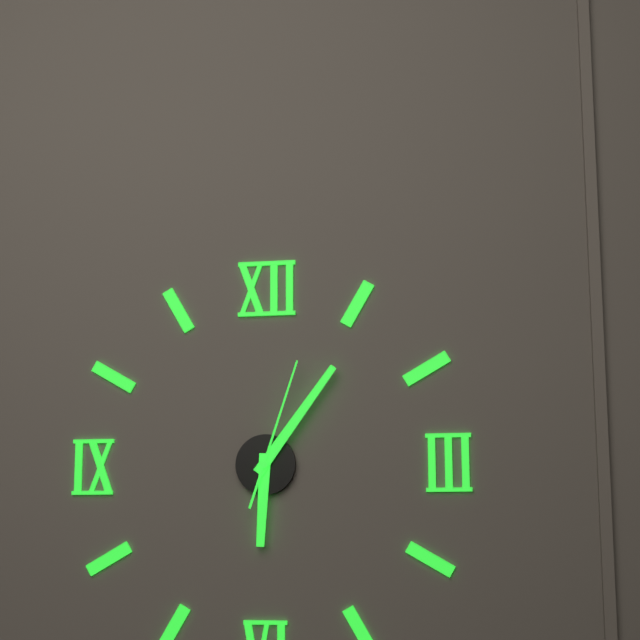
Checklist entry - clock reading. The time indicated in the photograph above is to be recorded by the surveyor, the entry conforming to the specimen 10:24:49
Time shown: 6:06:03
